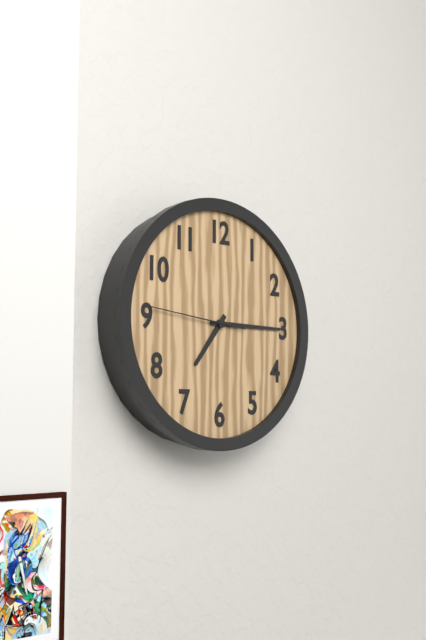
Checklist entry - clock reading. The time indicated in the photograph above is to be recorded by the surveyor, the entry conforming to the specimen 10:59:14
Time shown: 7:15:46
